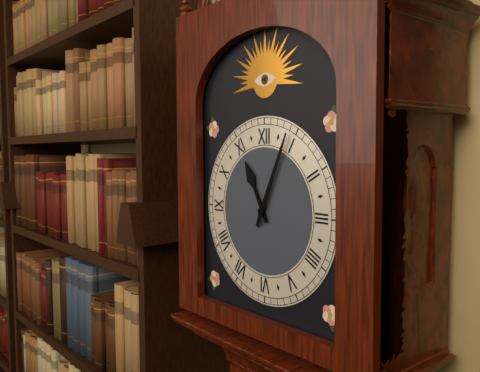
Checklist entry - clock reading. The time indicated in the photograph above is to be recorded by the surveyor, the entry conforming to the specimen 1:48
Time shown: 11:04
